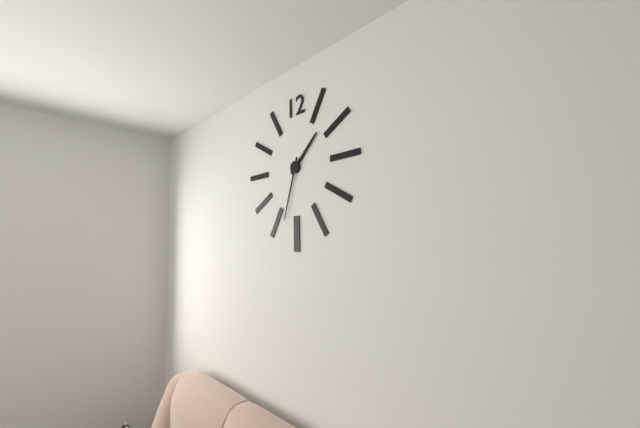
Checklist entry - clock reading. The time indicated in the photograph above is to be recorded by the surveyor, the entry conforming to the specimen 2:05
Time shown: 1:33
